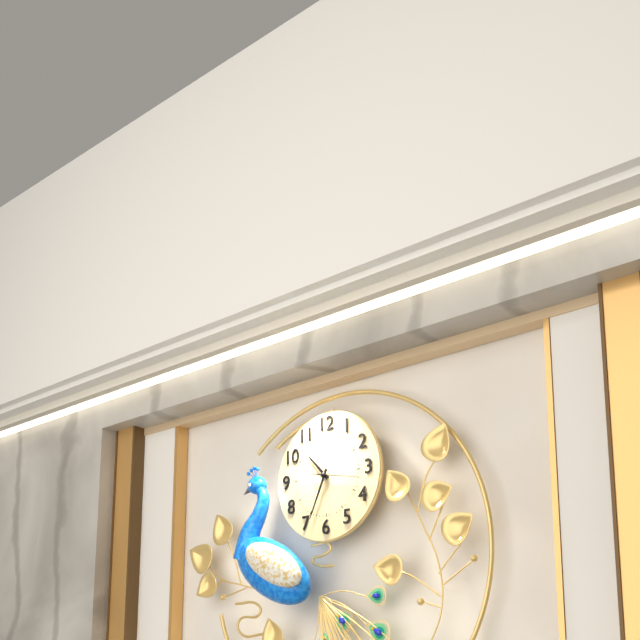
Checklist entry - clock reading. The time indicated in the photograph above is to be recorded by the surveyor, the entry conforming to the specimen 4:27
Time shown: 10:34
